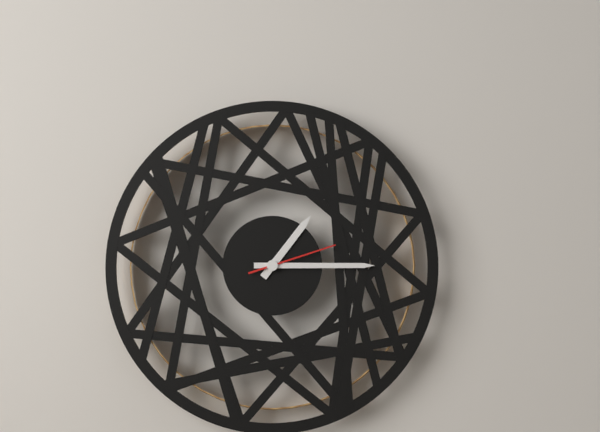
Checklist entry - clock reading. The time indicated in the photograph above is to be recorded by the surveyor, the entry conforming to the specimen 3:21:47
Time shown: 1:15:12
